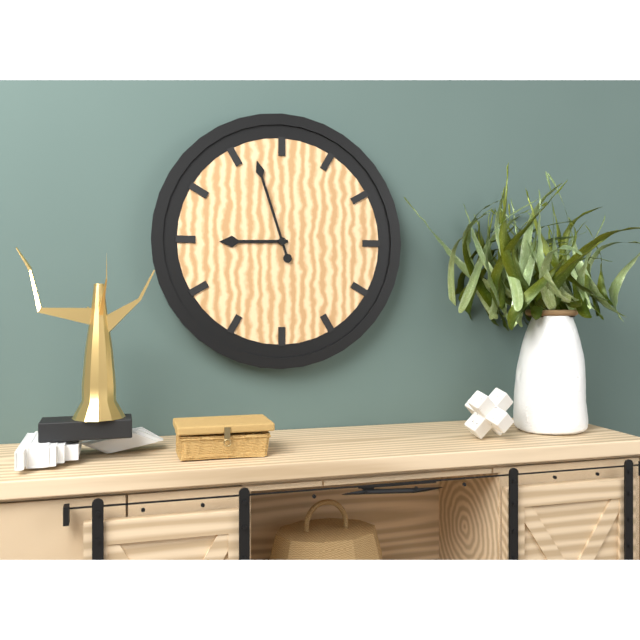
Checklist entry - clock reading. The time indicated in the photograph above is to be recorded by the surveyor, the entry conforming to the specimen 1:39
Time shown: 8:57
